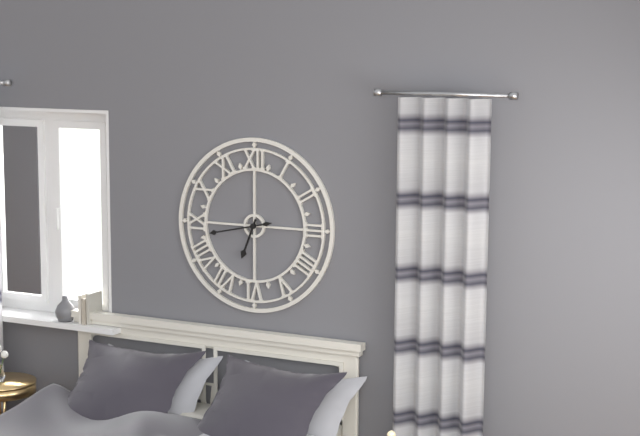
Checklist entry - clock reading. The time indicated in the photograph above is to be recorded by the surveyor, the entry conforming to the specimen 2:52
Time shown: 6:43
